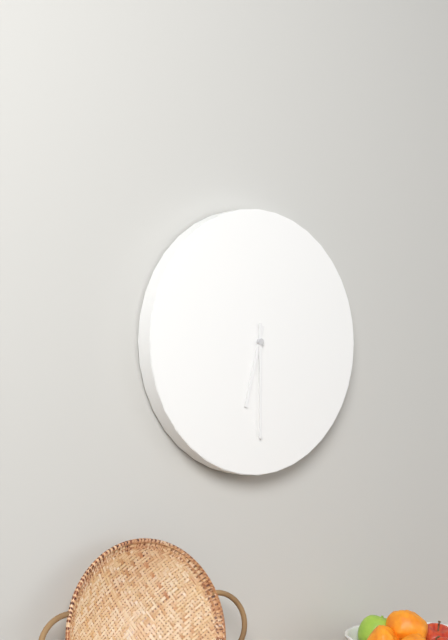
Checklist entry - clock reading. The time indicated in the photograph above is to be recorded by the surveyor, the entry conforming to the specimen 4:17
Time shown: 6:30
